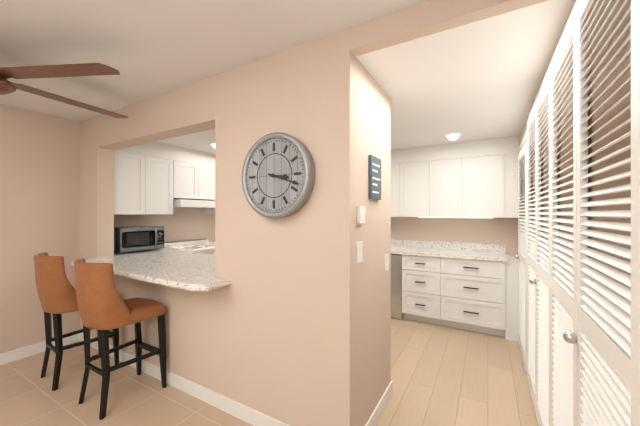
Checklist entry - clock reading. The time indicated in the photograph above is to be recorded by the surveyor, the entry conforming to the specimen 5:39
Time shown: 3:18
